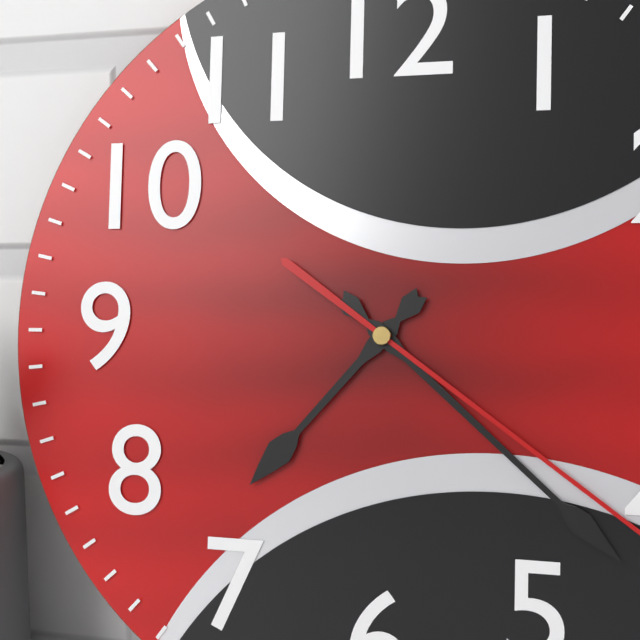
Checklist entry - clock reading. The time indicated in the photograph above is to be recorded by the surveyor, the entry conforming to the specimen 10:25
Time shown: 7:22
